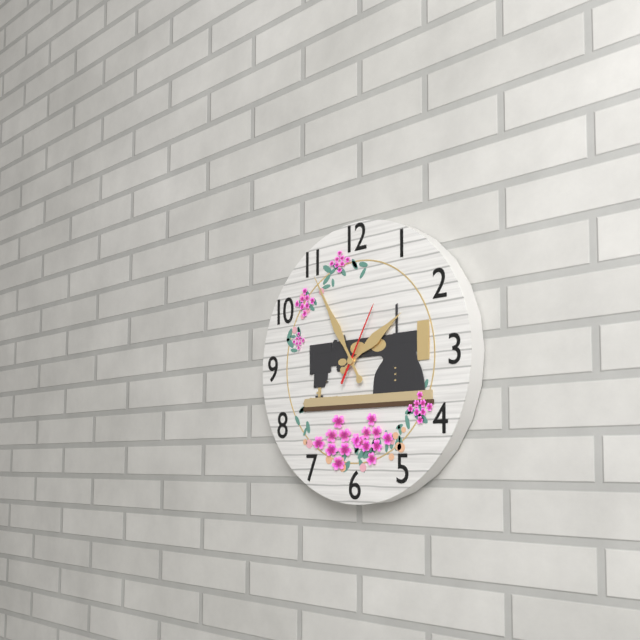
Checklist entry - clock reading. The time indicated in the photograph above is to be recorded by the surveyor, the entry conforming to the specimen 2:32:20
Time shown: 1:55:05
